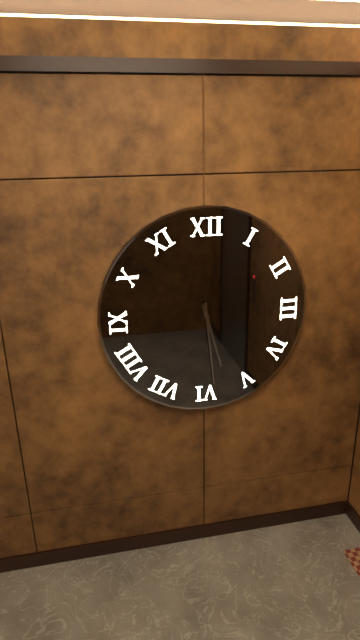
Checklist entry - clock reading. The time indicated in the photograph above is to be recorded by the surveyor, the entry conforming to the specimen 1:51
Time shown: 5:29
